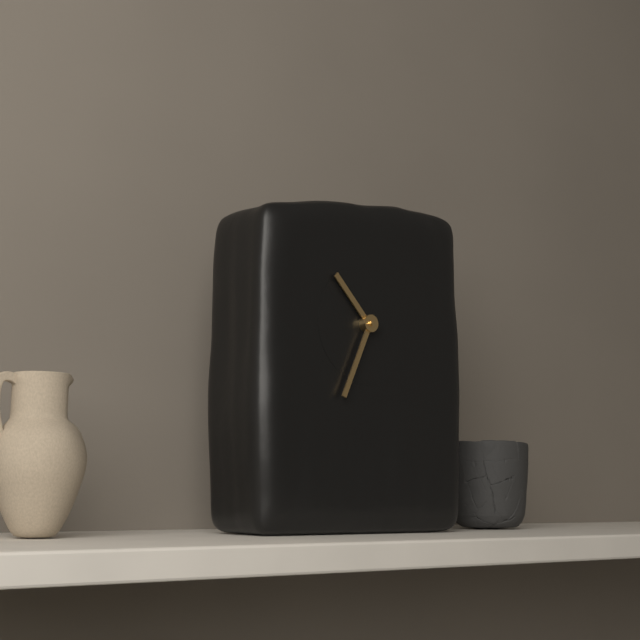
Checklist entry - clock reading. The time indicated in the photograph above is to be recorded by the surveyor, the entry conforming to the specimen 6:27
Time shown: 10:34
